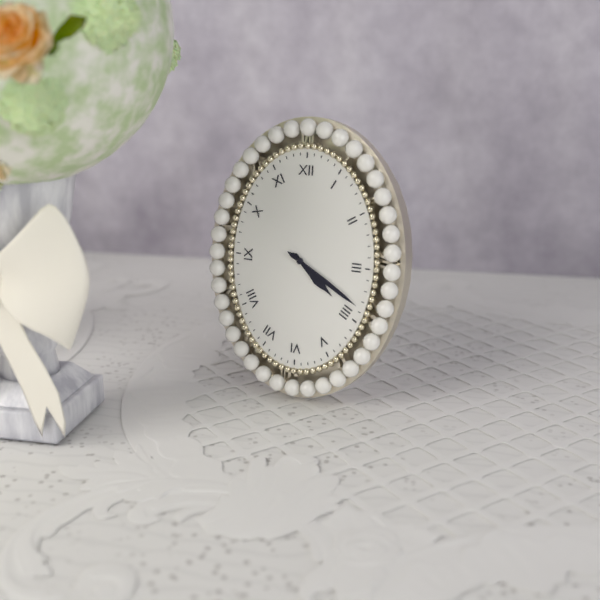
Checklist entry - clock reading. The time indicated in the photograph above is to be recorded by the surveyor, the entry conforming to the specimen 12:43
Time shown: 4:20
